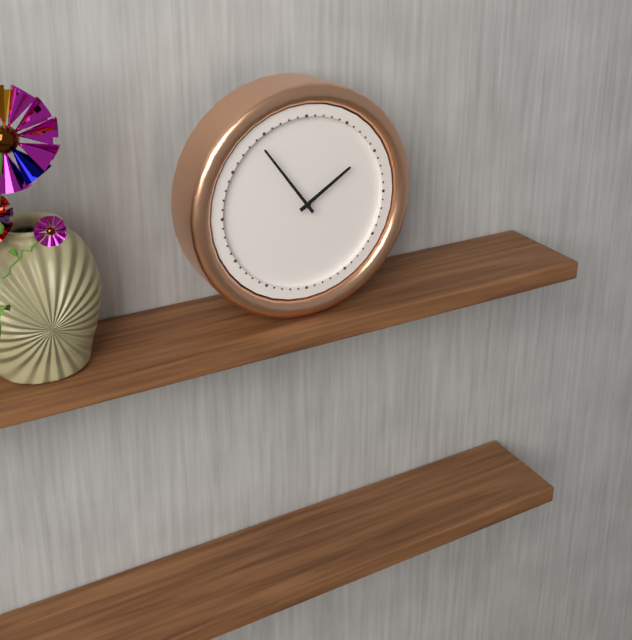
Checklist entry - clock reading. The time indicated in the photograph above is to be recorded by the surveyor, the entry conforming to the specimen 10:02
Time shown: 1:54
